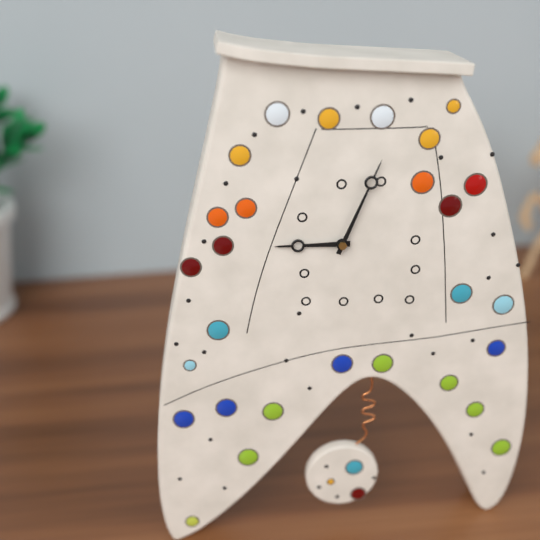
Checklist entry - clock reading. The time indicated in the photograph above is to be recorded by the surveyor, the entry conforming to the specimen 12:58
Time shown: 9:04
